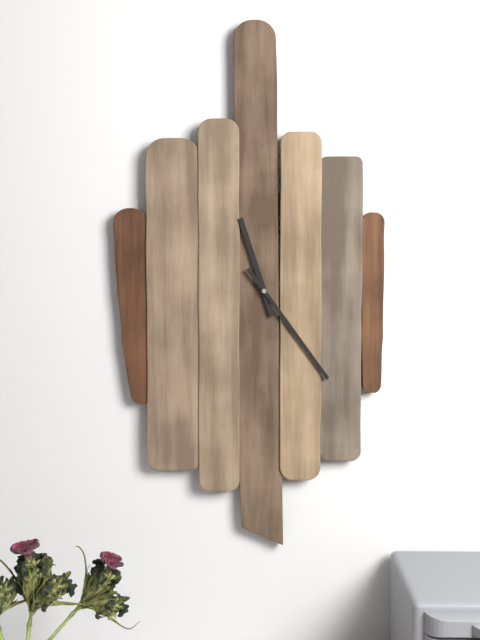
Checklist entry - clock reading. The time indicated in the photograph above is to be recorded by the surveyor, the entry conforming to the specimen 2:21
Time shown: 11:24
